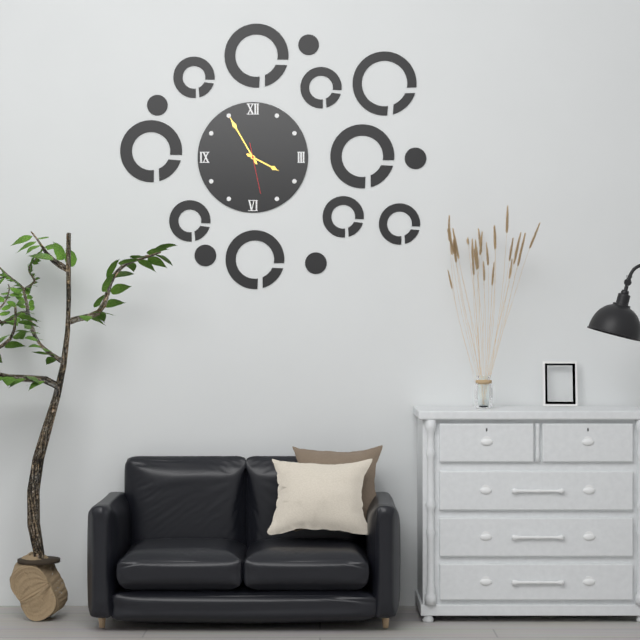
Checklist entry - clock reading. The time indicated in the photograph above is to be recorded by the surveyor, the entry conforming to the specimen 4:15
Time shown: 3:55
